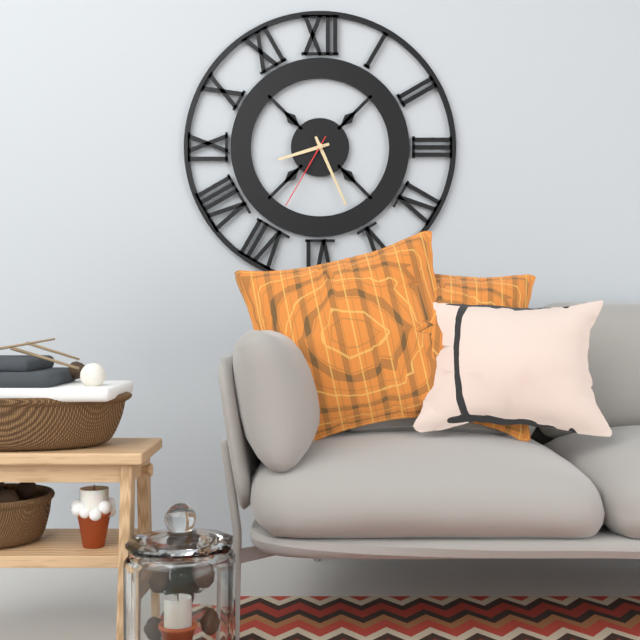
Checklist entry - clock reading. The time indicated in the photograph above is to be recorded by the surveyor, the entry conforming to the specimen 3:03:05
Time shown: 8:26:35
